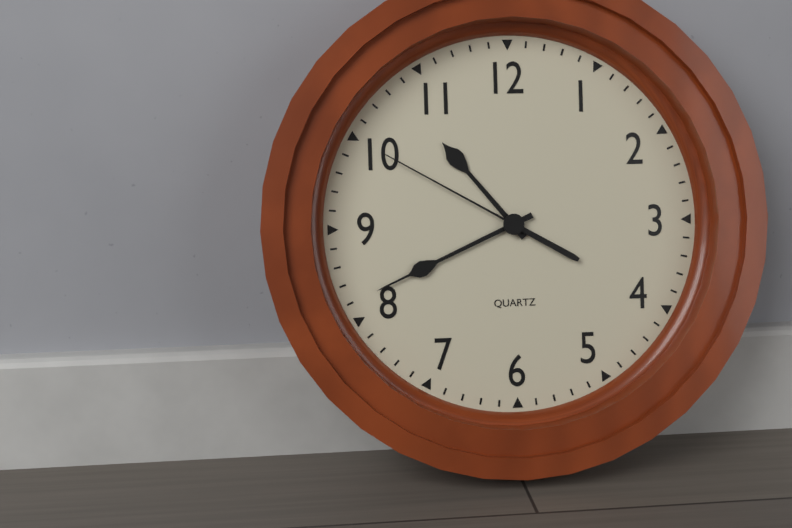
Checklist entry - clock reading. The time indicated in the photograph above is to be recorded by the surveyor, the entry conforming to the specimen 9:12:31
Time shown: 10:41:50
